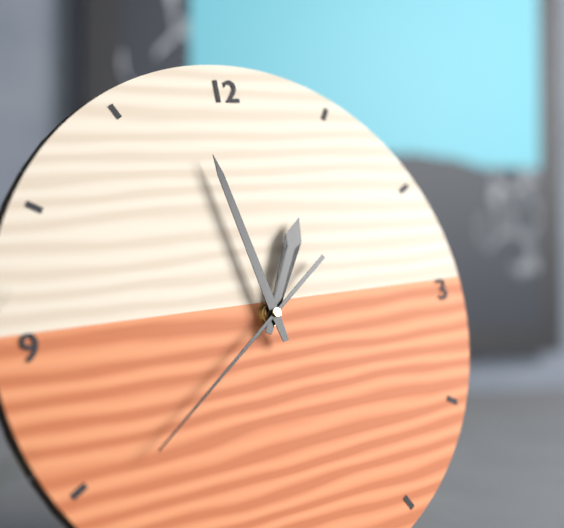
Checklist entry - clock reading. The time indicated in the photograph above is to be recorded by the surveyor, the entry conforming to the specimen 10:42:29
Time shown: 12:58:39
